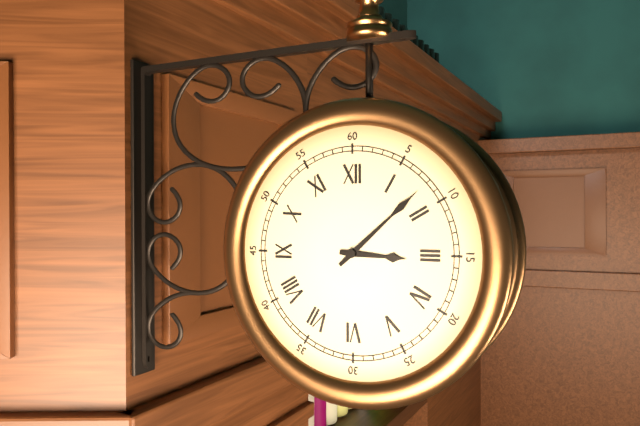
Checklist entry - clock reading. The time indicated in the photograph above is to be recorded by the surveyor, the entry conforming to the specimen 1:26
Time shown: 3:08
